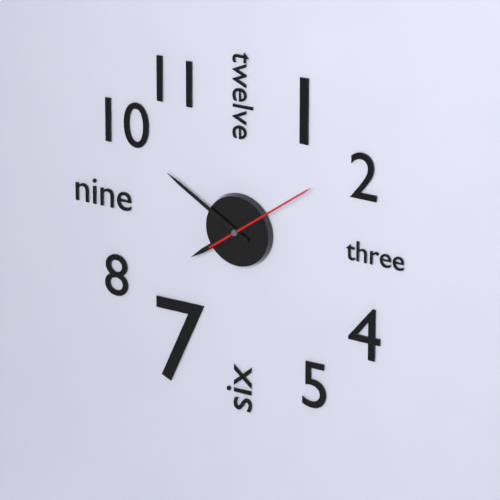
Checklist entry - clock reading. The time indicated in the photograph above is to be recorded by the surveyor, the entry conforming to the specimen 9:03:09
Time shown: 7:50:09
